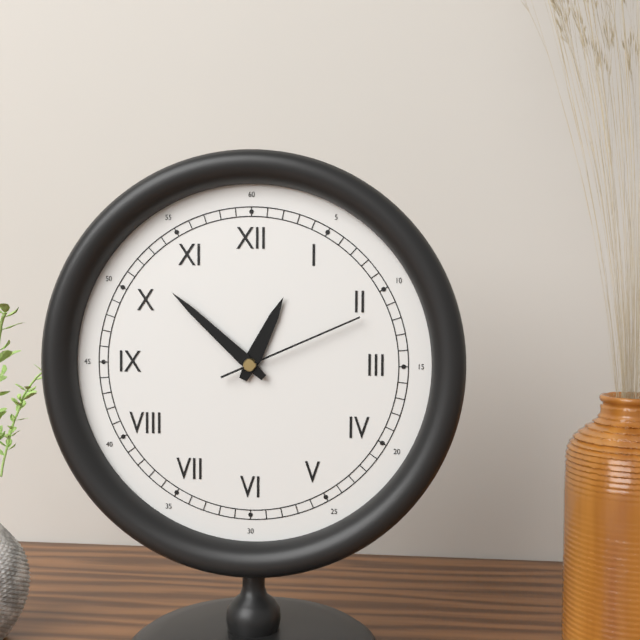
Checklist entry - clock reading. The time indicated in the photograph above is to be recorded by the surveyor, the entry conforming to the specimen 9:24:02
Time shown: 12:52:11
